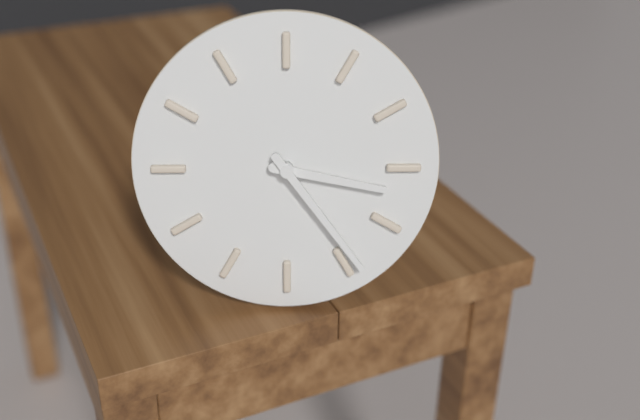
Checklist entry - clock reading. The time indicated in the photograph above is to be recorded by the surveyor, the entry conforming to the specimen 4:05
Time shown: 3:24
